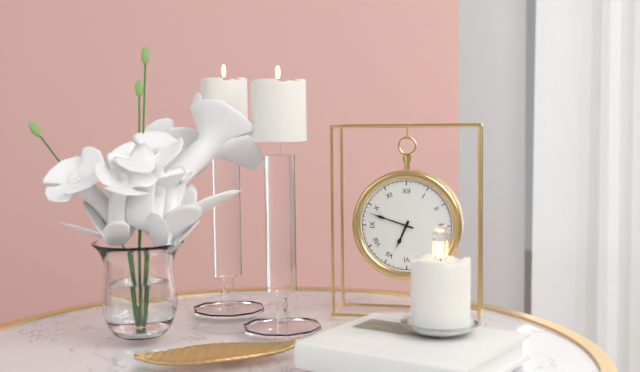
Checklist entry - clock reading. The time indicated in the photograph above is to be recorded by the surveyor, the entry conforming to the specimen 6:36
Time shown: 6:48
